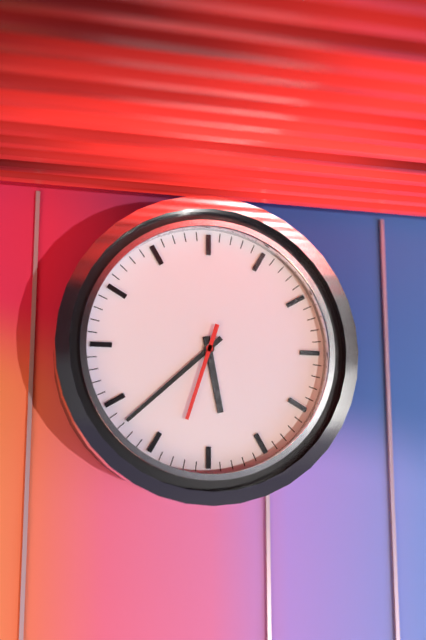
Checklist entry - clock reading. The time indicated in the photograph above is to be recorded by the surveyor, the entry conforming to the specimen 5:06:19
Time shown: 5:38:33
